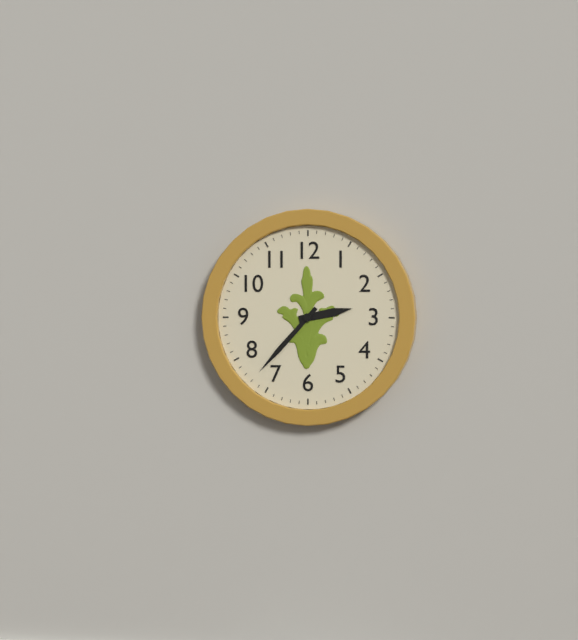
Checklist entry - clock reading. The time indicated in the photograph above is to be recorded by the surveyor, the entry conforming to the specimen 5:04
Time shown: 2:37
